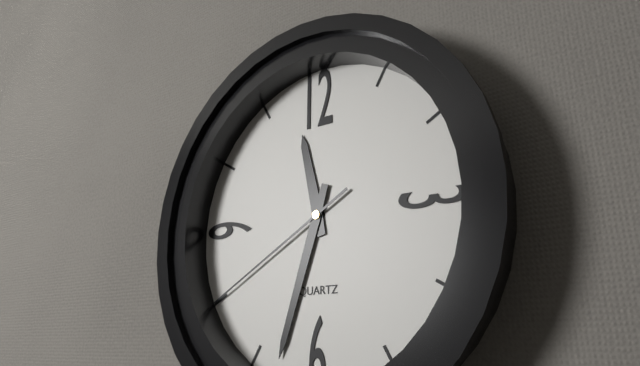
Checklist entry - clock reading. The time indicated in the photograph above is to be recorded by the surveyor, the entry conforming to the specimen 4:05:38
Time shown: 11:33:40
